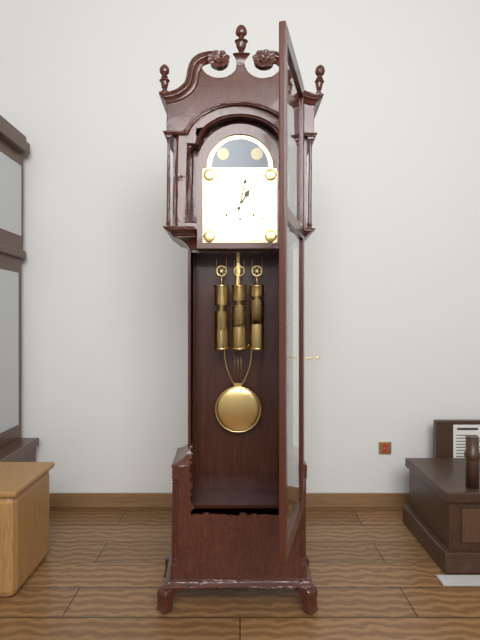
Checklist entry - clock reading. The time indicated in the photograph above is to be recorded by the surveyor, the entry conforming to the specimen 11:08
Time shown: 1:02
